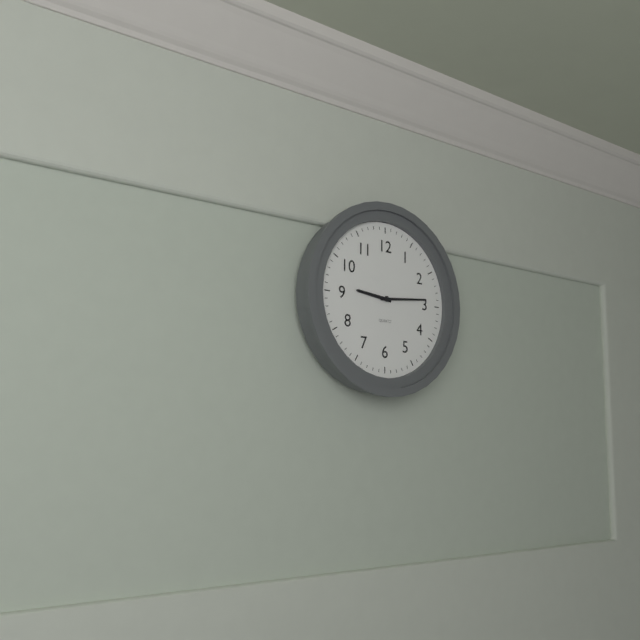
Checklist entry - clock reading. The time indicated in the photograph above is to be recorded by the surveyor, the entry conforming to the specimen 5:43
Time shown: 9:14
